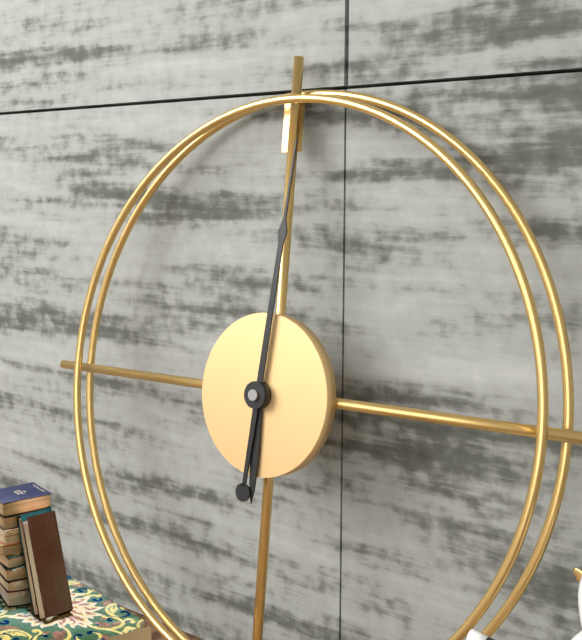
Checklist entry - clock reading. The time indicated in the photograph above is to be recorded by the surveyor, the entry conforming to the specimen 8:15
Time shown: 6:01
